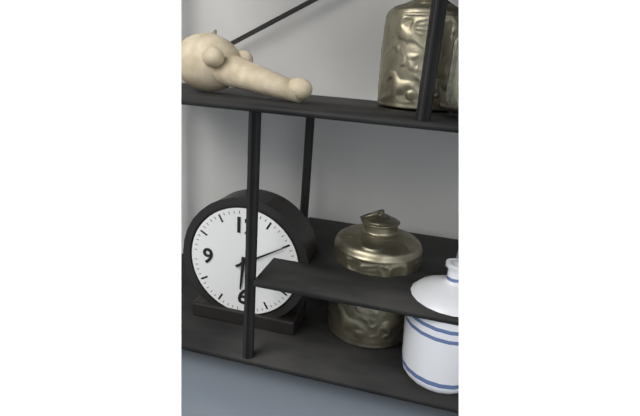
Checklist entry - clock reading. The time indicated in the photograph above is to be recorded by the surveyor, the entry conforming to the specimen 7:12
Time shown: 6:10
